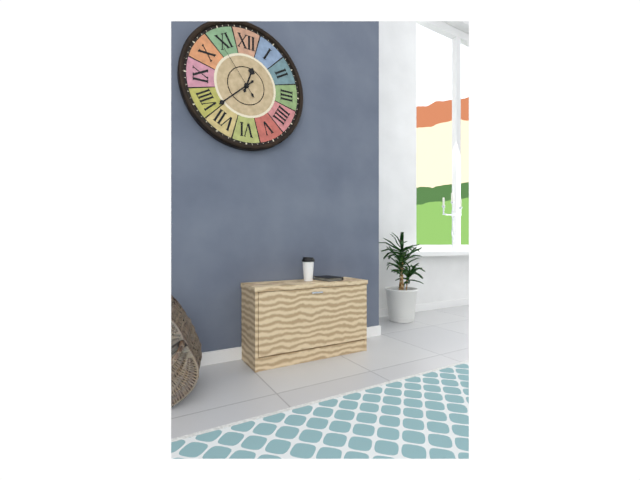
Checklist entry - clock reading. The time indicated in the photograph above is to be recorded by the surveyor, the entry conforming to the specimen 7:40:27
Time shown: 12:38:54
